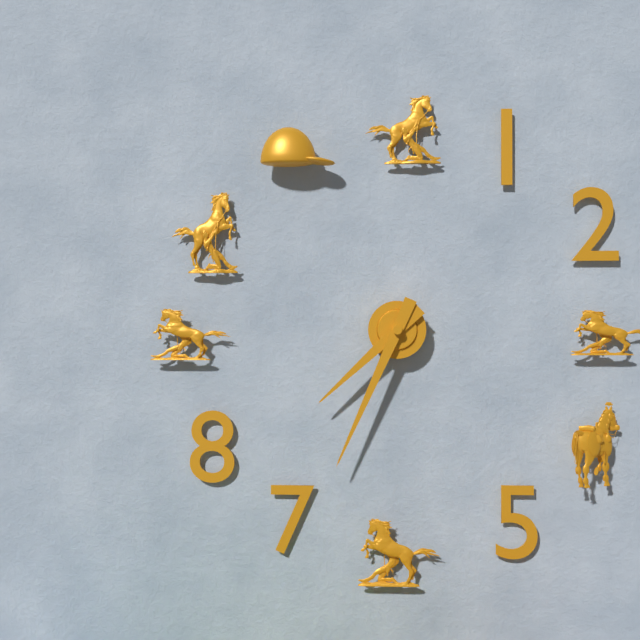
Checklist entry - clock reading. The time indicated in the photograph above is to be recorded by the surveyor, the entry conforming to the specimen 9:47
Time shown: 7:34
